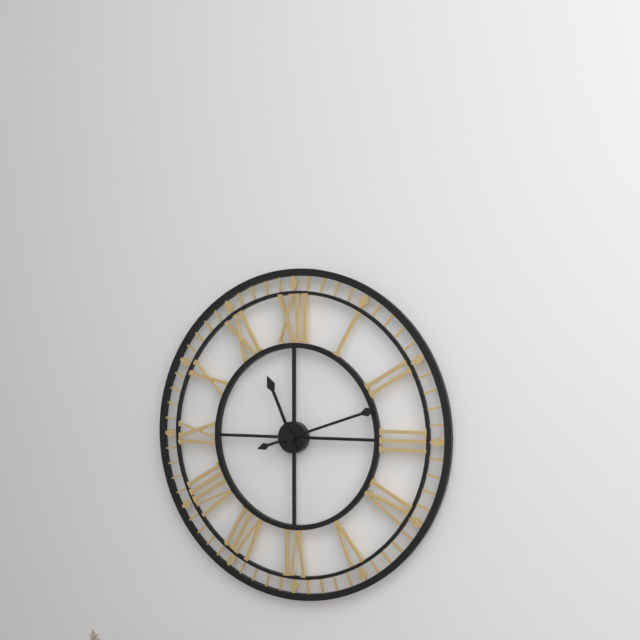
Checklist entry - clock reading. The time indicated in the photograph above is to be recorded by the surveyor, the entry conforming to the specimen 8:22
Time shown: 11:12
